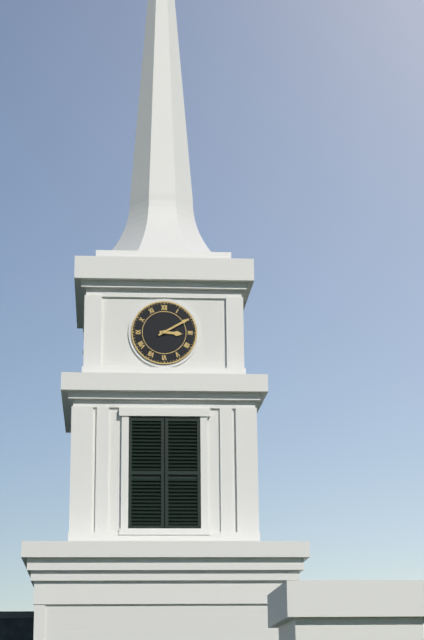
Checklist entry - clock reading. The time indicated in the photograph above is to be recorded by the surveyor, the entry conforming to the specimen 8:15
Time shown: 3:10
